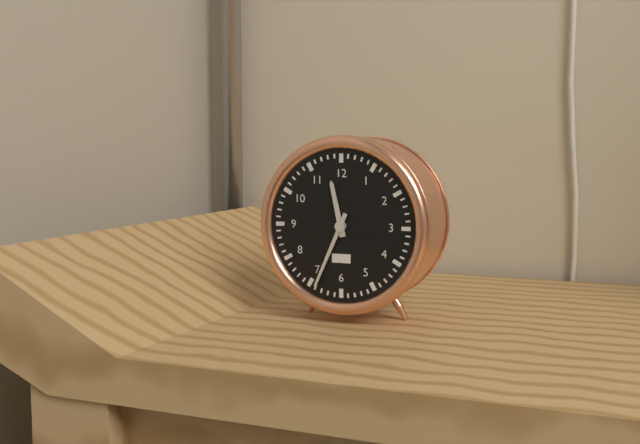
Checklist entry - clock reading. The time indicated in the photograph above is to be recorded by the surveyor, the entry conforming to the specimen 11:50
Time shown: 11:34
